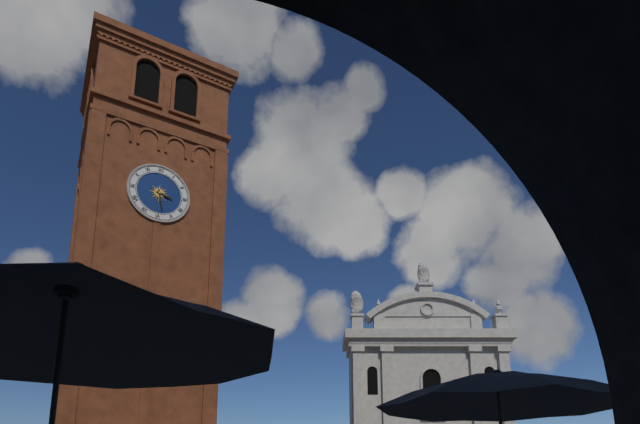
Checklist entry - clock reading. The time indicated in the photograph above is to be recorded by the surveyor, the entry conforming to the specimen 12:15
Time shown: 3:28
